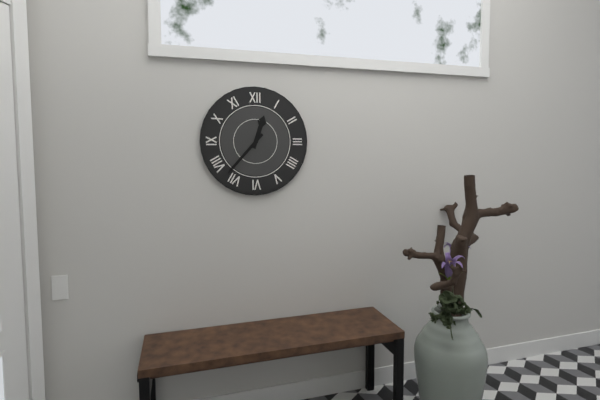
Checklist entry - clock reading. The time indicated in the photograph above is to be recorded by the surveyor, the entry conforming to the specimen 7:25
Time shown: 12:37
